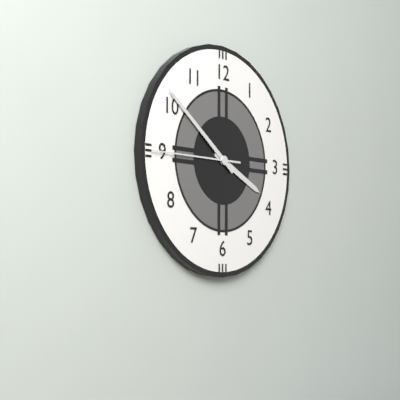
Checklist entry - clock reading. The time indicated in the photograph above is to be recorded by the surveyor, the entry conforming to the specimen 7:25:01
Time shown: 3:51:45
